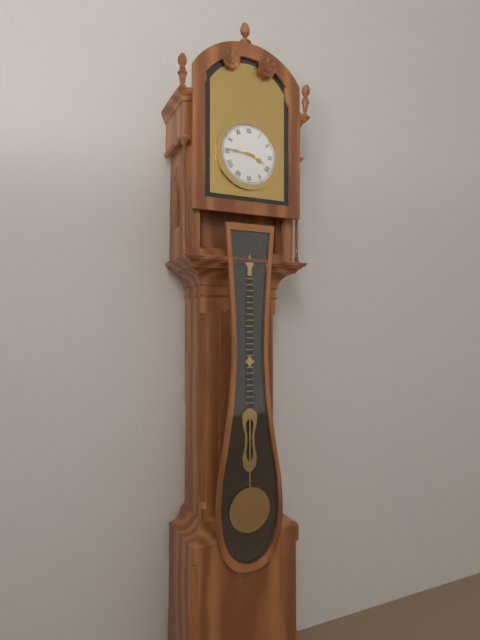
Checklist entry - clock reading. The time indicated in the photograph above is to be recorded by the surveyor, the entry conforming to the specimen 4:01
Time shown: 3:46
